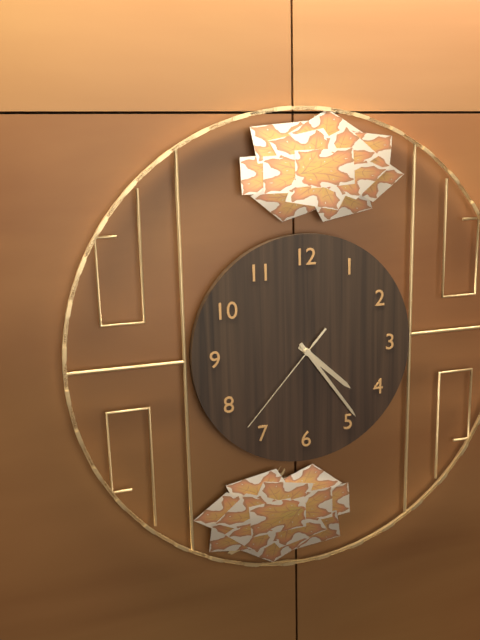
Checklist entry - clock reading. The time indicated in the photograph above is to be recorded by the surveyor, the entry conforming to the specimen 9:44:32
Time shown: 4:24:37
